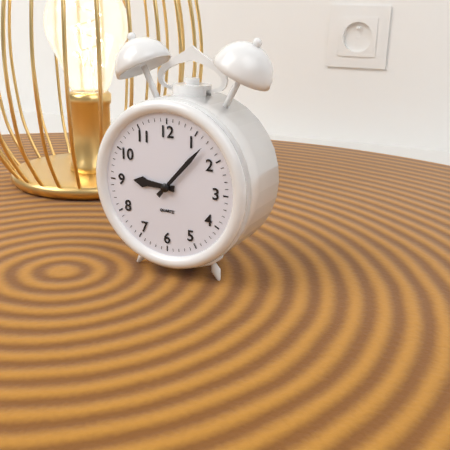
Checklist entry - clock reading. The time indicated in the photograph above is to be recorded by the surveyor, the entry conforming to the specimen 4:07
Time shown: 9:07
